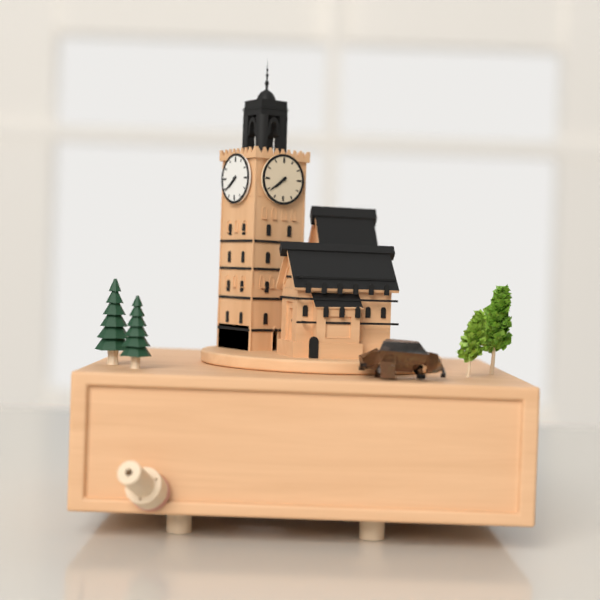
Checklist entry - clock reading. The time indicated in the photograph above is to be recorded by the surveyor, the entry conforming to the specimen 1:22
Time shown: 7:39
